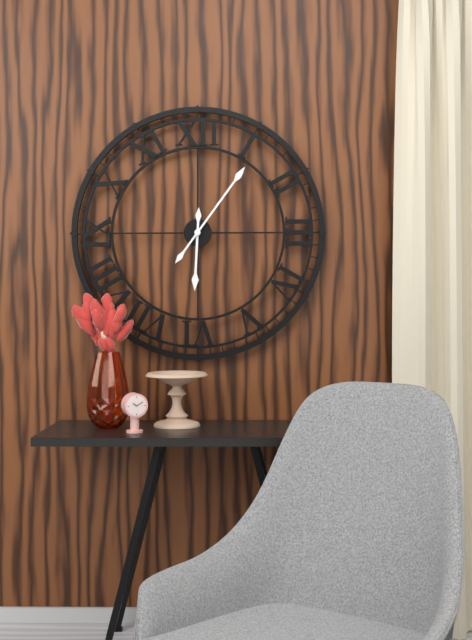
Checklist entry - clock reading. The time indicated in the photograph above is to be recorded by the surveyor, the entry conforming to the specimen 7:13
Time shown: 6:06
